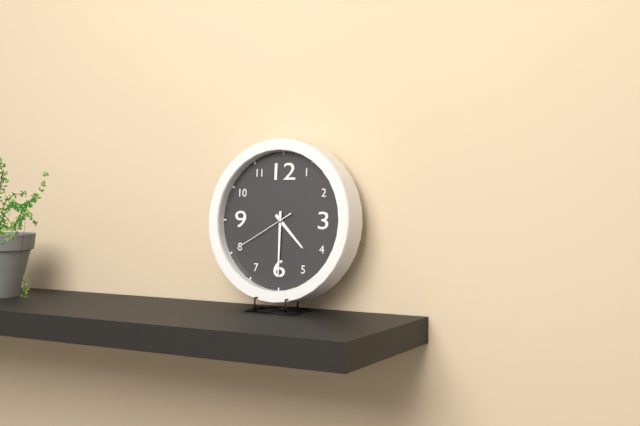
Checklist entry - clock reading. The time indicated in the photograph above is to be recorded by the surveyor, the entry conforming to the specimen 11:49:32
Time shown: 4:30:40
